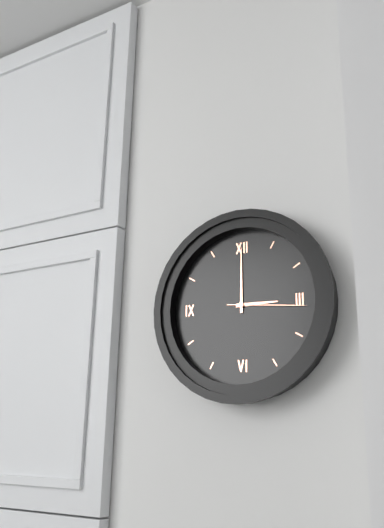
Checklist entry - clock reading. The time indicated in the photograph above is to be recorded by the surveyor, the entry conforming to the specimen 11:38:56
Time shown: 3:00:16
